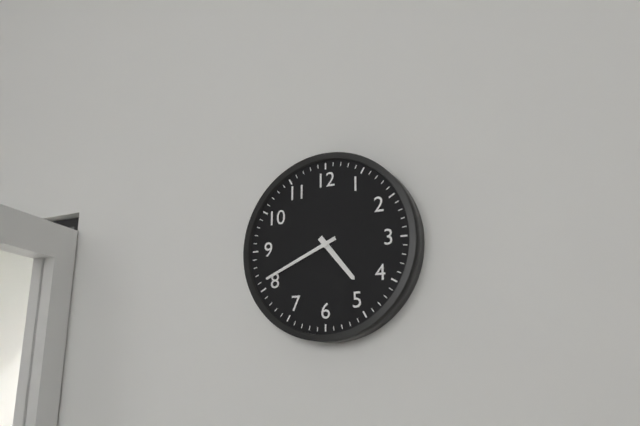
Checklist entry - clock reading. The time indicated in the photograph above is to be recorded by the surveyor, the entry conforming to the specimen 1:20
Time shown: 4:41
